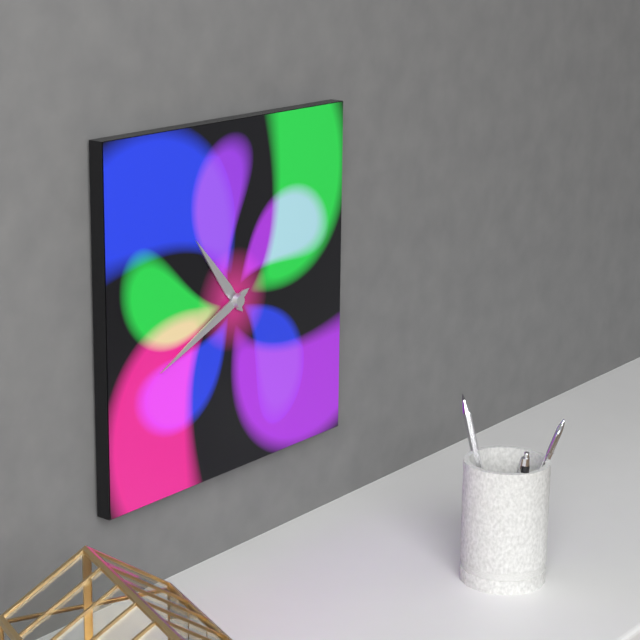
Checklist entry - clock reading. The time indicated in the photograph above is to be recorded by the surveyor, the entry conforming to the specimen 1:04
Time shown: 10:41
